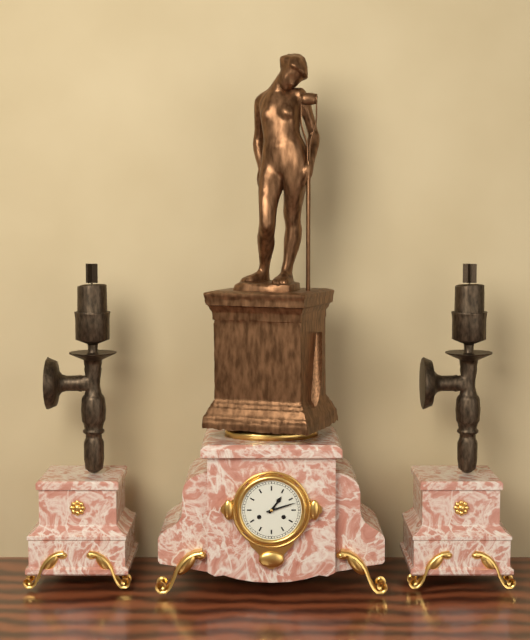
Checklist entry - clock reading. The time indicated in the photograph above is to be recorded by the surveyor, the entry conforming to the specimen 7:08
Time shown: 1:12
